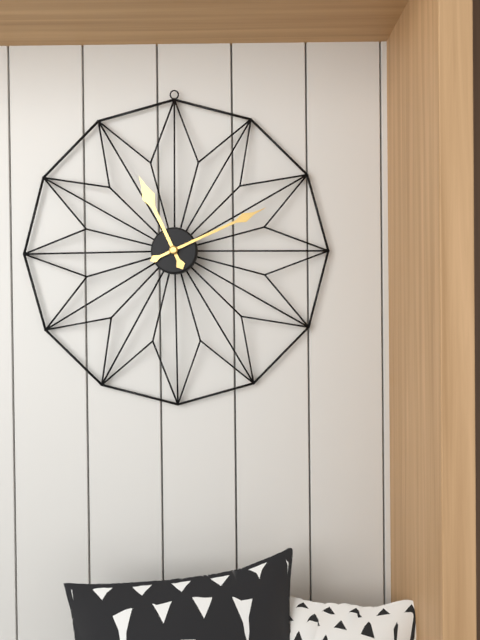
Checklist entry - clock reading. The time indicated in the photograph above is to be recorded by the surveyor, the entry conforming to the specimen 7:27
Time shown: 11:11
